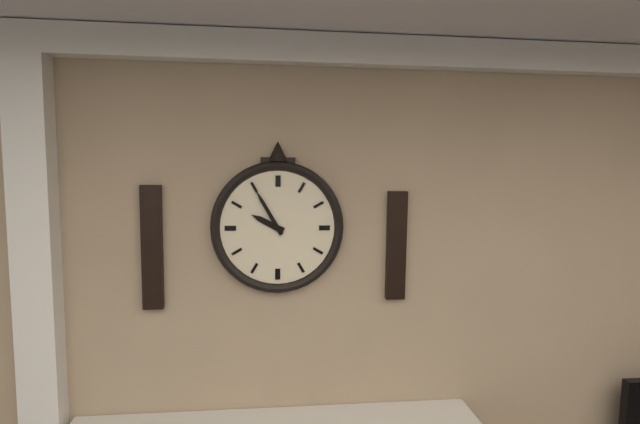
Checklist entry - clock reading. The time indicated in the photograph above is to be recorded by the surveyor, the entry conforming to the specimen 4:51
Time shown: 9:55
